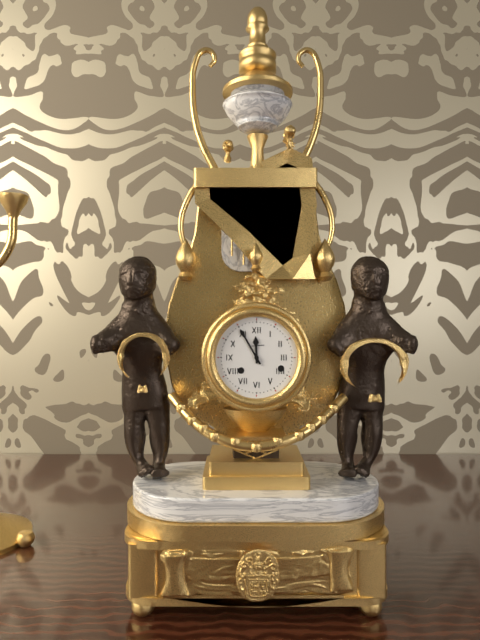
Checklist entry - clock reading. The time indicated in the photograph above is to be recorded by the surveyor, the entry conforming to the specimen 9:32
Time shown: 11:55
